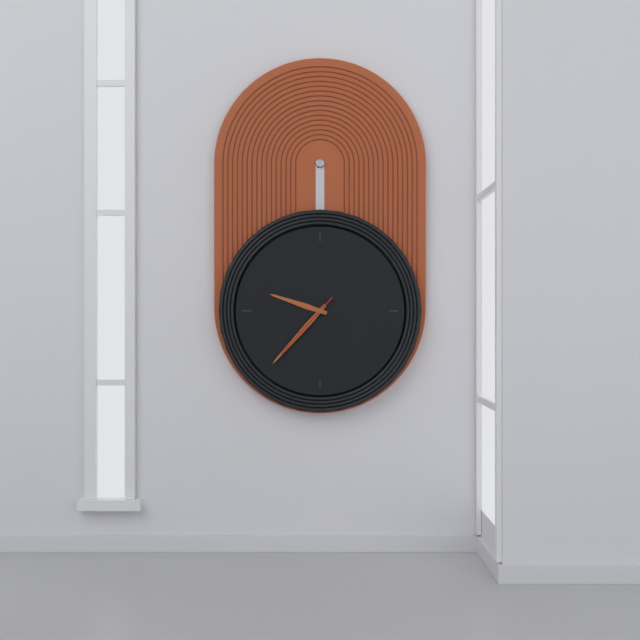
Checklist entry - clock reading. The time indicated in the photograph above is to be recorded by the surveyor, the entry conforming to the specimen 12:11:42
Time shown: 9:37:37
